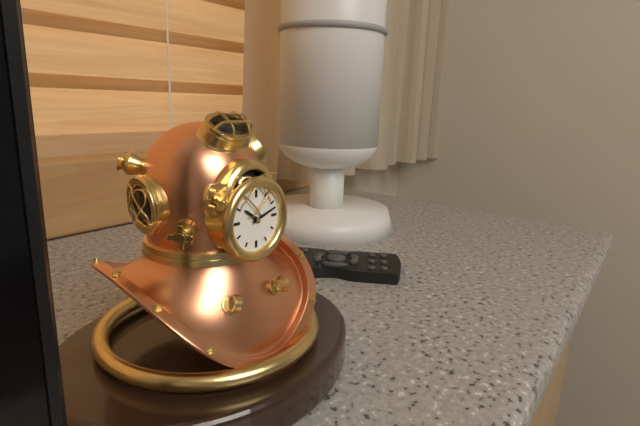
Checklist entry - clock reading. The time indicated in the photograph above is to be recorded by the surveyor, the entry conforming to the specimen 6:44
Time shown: 10:12
